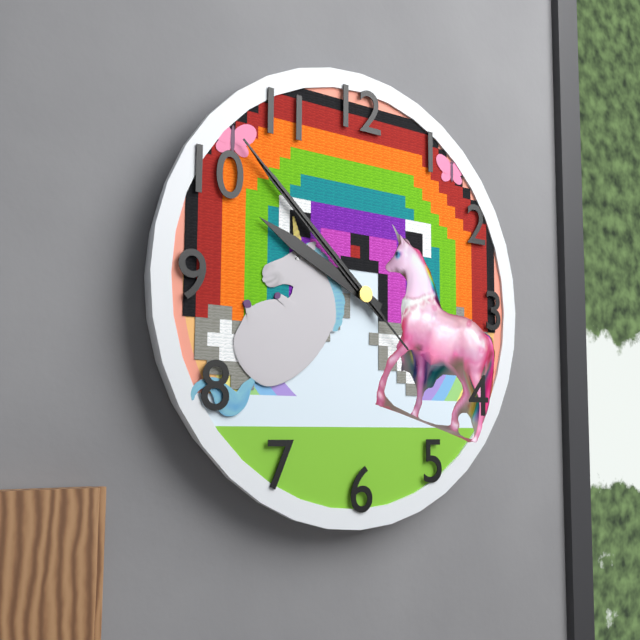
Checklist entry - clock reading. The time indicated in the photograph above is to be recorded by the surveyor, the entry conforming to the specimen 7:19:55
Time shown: 9:52:52
